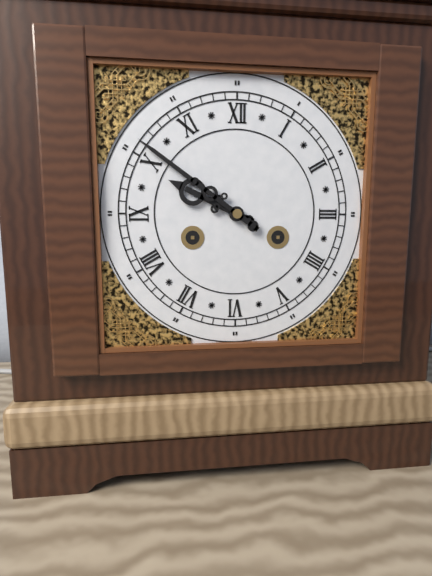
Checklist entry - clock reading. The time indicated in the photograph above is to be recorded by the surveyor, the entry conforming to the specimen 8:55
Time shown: 9:51
